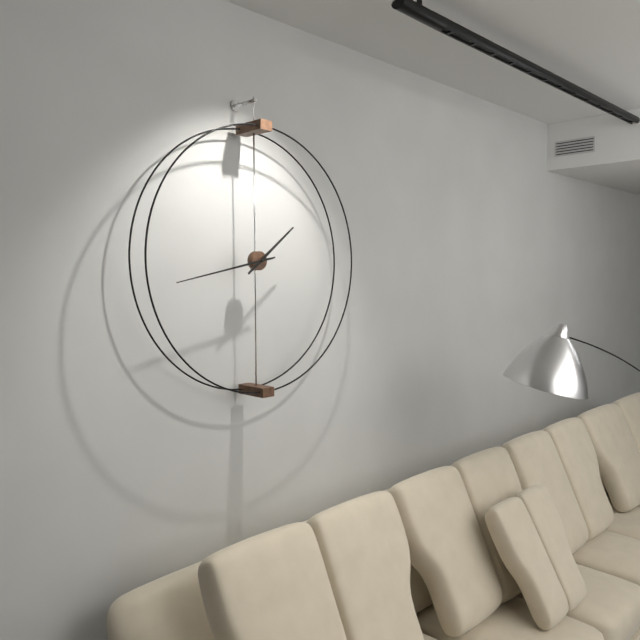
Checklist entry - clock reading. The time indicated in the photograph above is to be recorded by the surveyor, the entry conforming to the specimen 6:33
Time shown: 1:43
